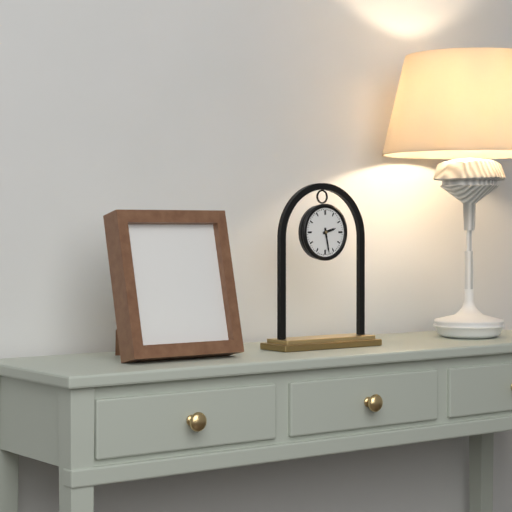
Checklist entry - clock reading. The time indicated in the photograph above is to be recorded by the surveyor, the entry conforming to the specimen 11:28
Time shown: 2:28
